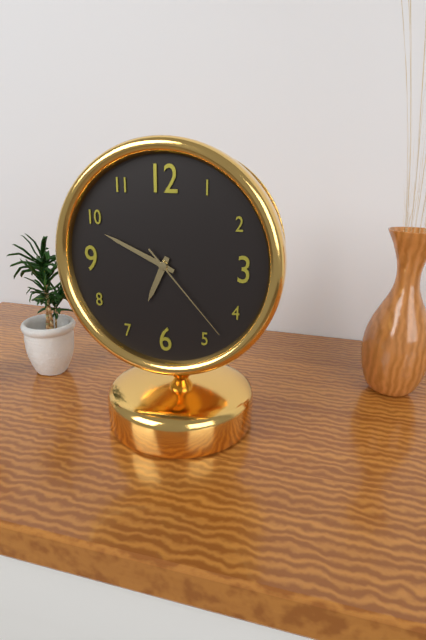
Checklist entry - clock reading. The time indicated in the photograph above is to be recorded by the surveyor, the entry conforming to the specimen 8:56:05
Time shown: 6:49:23
